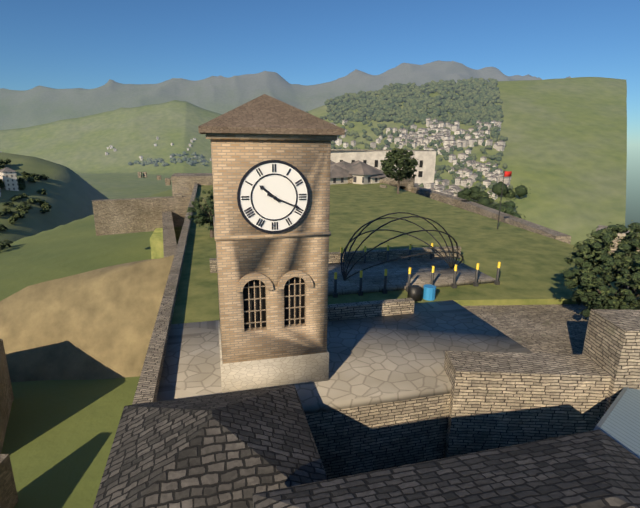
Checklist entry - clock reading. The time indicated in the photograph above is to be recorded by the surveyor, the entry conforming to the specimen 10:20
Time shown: 10:19
